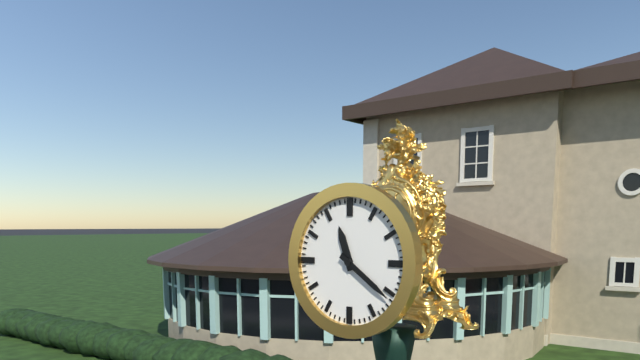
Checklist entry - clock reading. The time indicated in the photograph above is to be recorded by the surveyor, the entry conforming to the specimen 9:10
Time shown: 11:21
